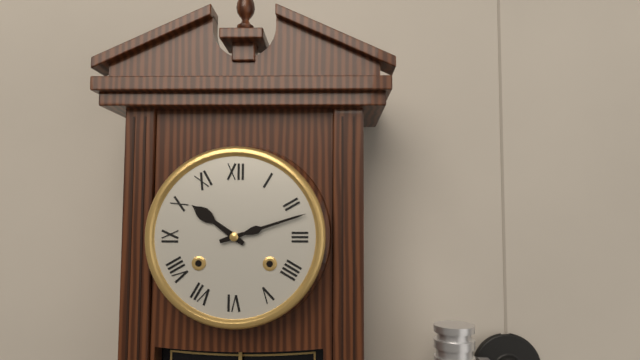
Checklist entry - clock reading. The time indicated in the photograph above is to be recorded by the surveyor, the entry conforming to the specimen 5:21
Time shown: 10:12
